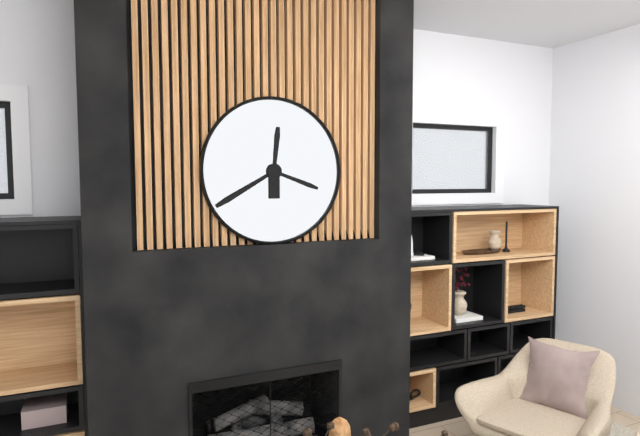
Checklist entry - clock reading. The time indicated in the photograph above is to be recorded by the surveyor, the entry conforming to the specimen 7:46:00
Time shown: 3:40:01
